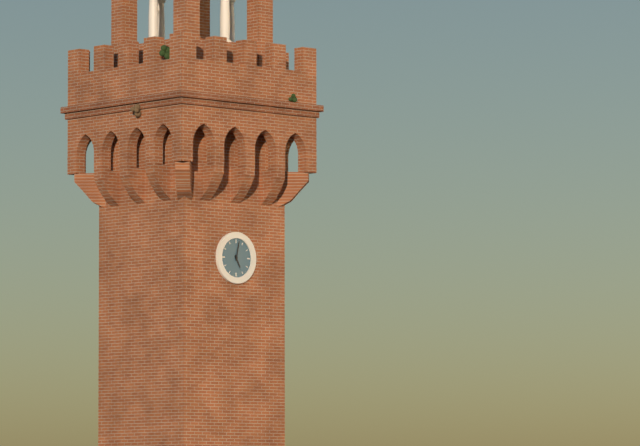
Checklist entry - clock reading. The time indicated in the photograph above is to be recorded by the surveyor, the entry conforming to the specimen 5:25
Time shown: 5:02
